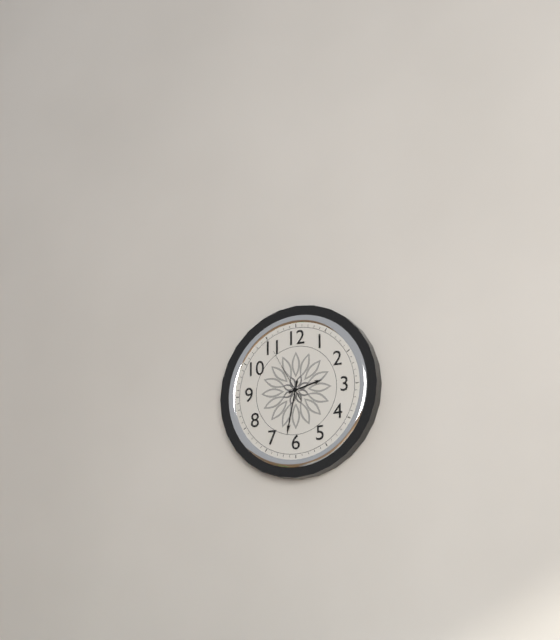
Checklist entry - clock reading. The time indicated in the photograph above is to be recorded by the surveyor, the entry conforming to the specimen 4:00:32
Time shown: 2:32:55
